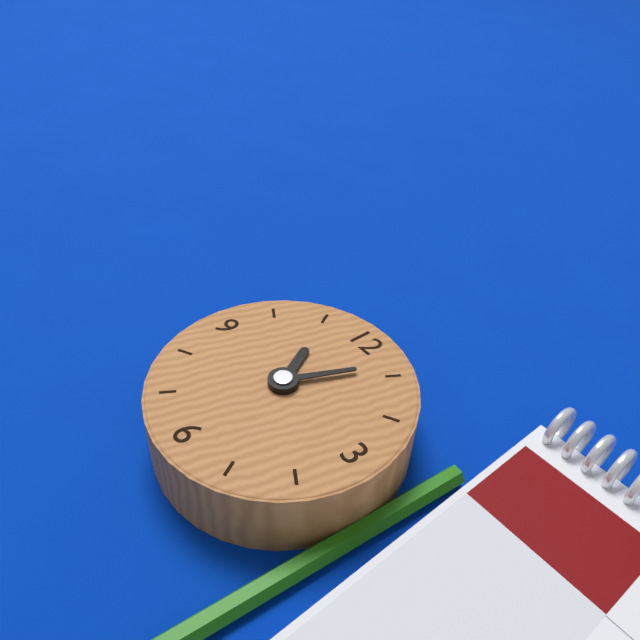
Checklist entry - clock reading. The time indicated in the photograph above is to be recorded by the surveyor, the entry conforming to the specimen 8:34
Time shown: 11:04
